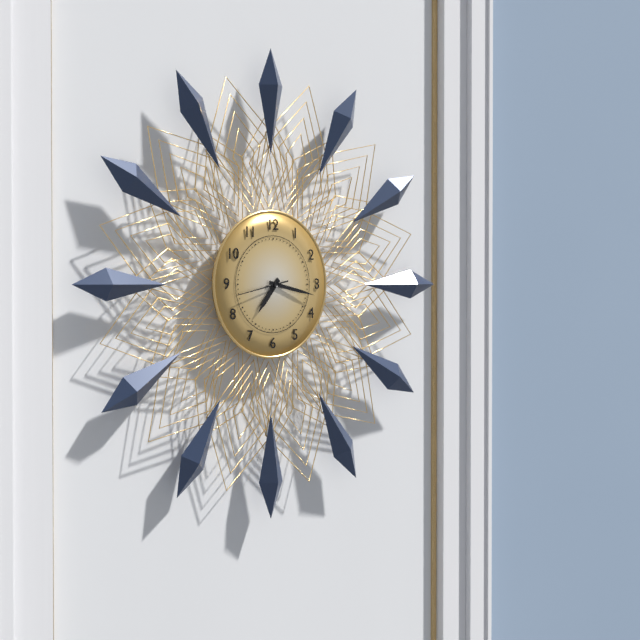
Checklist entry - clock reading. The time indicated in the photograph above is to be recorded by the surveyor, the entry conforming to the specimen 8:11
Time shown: 7:17
